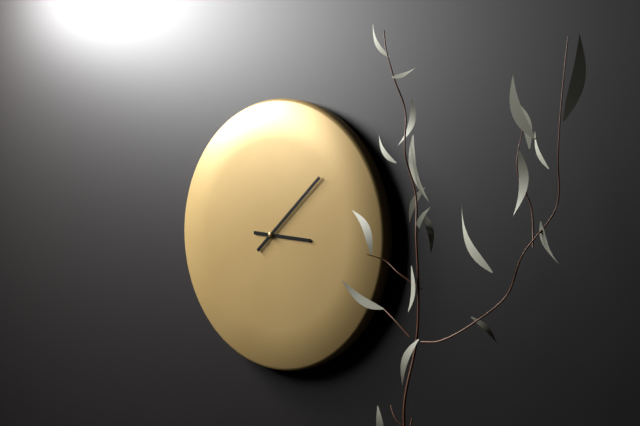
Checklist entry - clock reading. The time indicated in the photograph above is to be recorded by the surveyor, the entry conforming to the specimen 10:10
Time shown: 3:08
